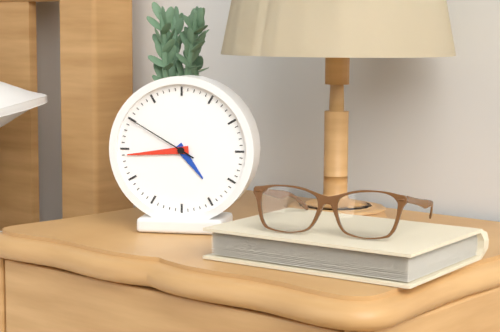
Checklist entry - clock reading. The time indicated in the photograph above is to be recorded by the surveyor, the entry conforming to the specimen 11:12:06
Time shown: 4:44:50
